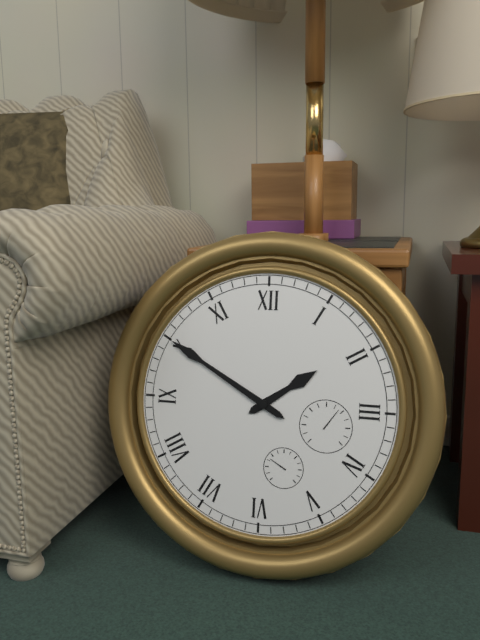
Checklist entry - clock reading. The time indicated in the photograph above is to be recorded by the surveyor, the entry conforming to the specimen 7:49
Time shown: 1:50
